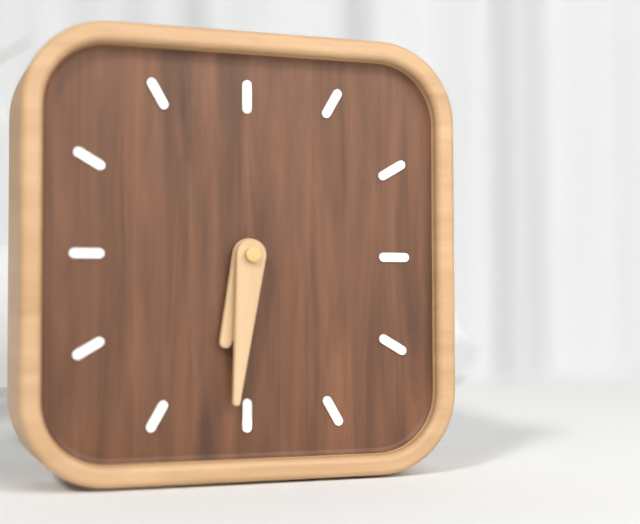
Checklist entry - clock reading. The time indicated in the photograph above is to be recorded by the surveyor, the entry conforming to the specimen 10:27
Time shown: 6:31
